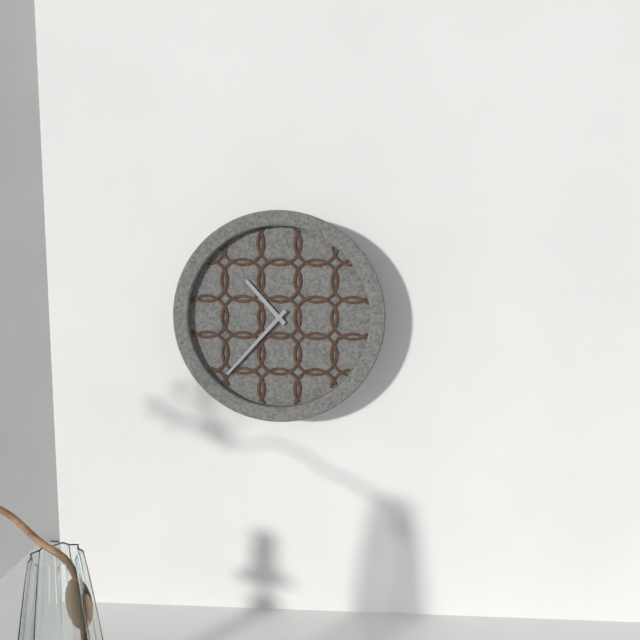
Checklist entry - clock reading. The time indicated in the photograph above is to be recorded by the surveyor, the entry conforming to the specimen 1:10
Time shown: 10:37
